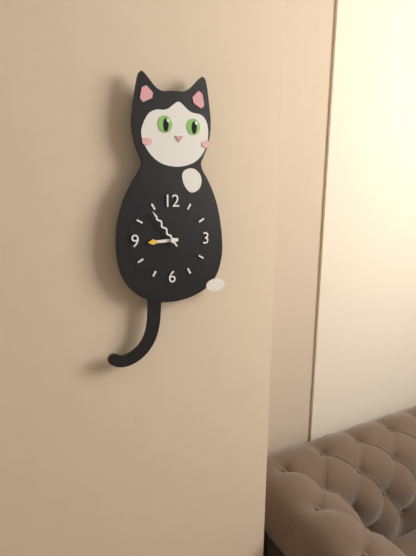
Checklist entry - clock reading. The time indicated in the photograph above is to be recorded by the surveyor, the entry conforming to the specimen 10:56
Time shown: 8:54
